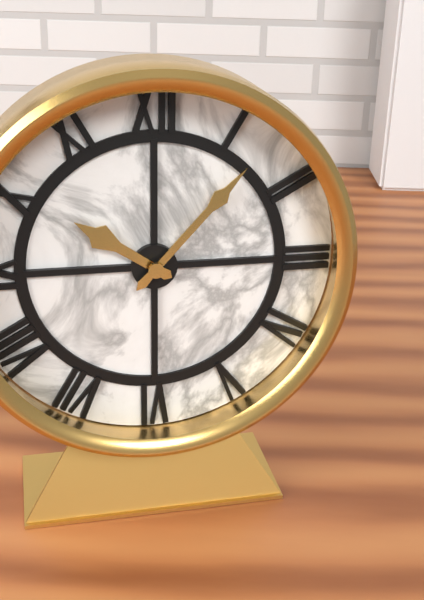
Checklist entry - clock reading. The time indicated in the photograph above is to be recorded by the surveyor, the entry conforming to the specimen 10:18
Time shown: 10:07
